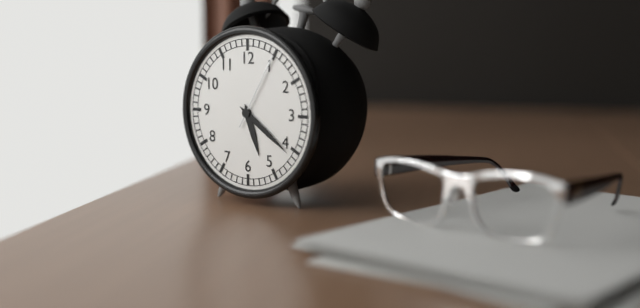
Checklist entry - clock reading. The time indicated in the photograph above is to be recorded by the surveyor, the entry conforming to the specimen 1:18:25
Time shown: 5:21:05
